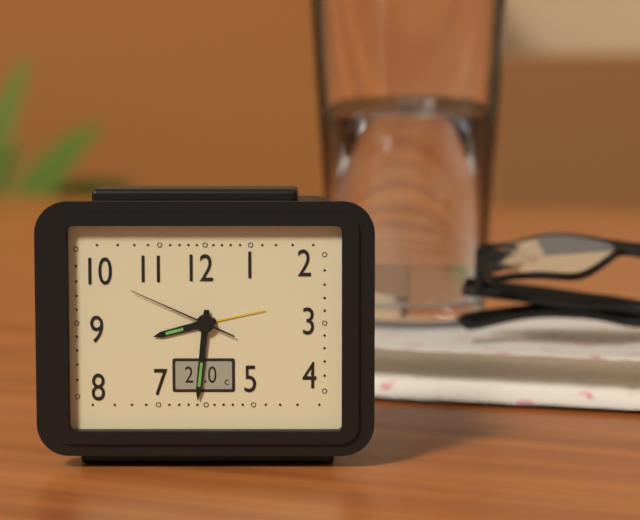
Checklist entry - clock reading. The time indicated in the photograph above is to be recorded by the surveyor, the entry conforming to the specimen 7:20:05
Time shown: 8:31:49
